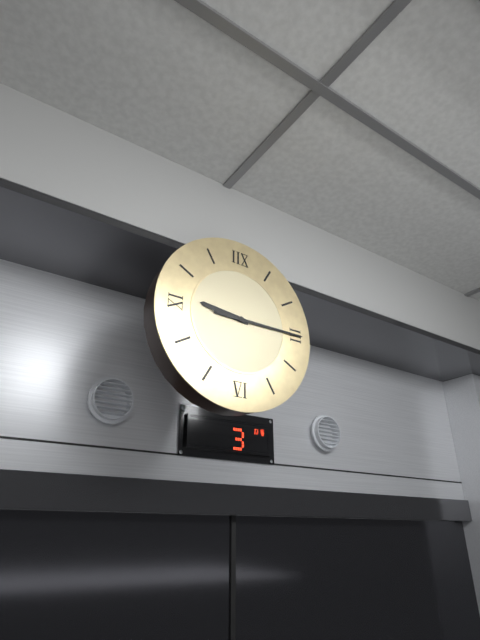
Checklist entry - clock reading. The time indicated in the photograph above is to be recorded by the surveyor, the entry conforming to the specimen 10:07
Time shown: 9:15
